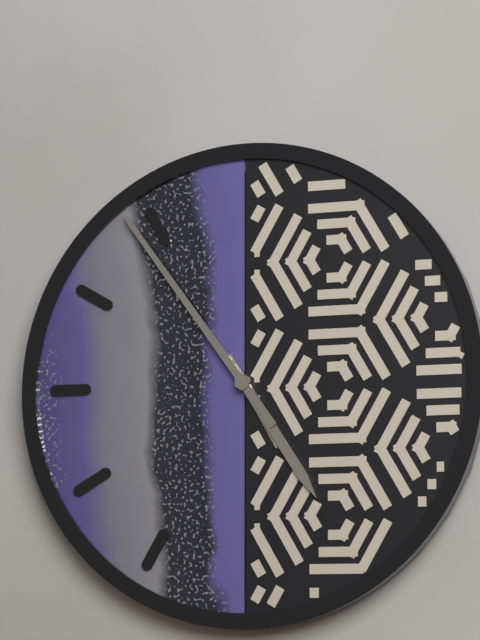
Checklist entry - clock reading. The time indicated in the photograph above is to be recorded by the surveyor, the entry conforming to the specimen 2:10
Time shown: 4:54
